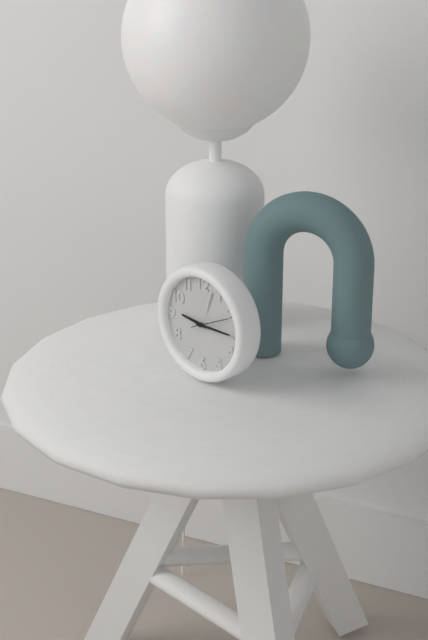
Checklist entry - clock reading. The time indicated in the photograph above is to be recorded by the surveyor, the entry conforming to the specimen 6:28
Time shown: 9:15
